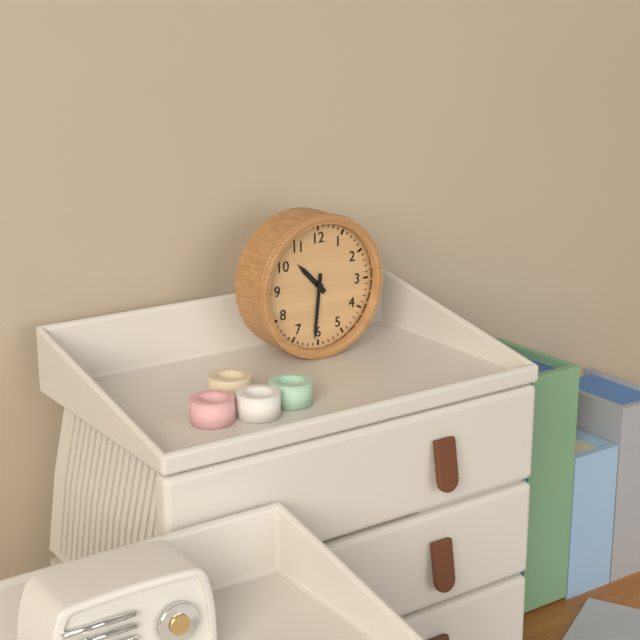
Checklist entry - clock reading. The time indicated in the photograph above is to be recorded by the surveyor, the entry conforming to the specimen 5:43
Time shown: 10:31
